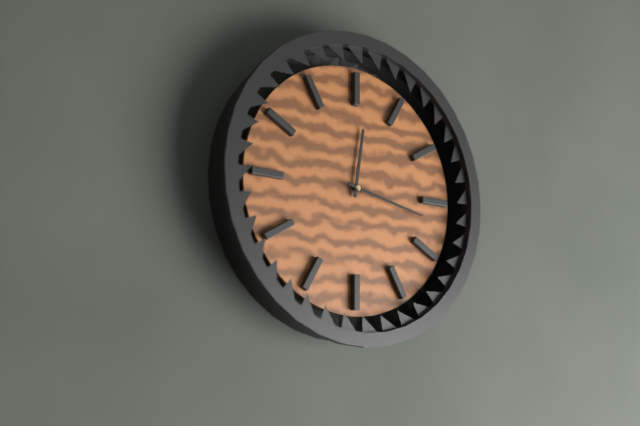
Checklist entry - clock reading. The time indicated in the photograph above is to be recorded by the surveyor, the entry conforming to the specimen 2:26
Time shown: 12:17
